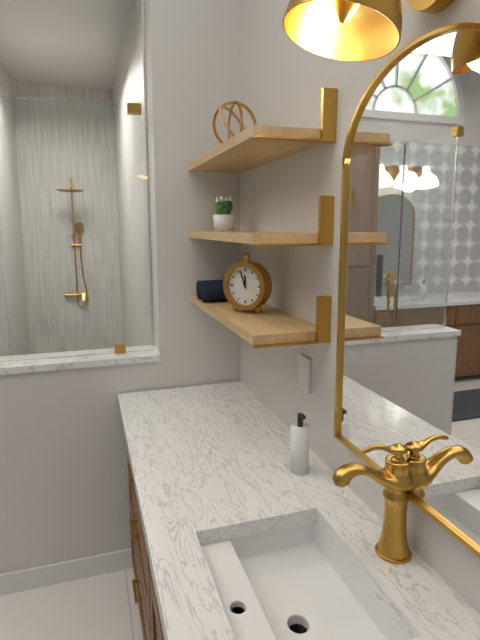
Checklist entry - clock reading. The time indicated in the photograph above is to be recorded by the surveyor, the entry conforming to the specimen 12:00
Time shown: 11:57
